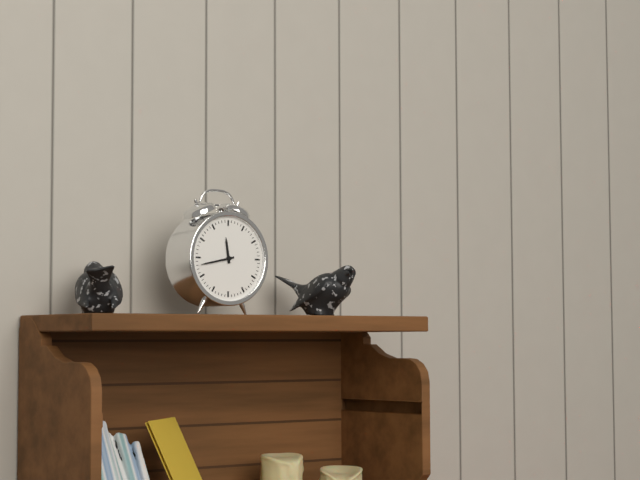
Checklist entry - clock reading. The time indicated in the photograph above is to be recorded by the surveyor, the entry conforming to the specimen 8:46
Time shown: 11:43
